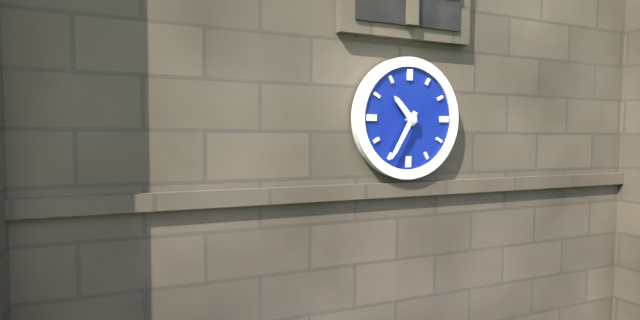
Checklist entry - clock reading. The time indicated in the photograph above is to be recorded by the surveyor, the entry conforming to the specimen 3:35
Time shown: 10:35
